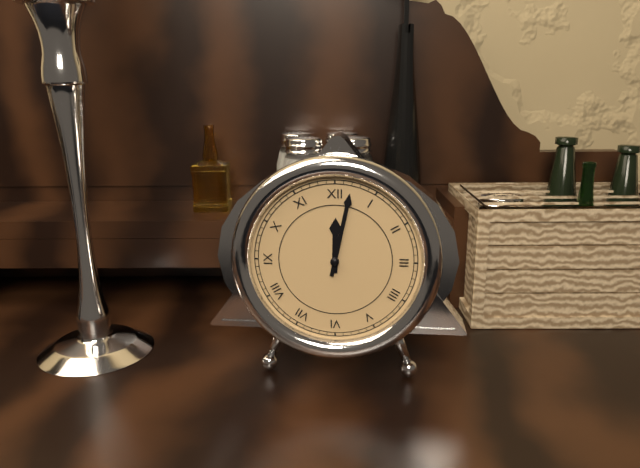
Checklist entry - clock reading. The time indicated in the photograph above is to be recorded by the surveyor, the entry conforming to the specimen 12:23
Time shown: 12:02
